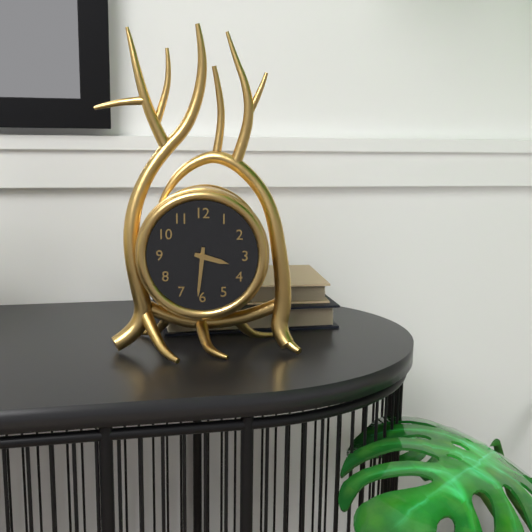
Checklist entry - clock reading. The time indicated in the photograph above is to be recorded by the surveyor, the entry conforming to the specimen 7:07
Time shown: 3:31
